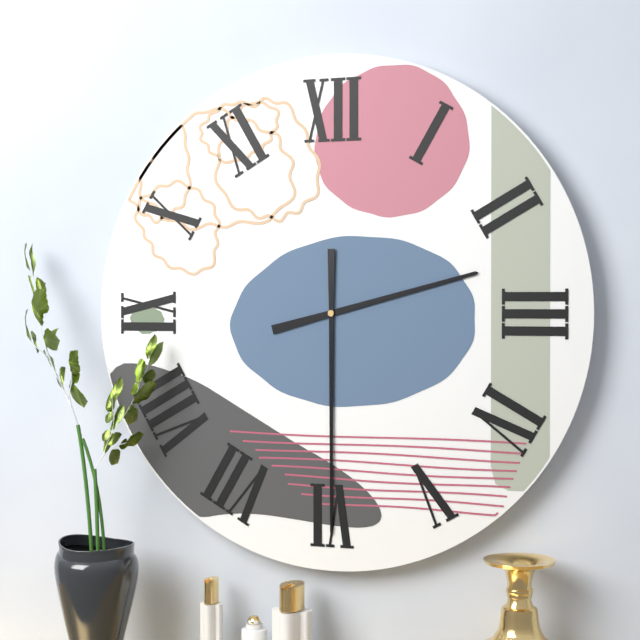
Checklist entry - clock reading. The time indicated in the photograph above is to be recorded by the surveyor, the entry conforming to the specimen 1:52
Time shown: 2:30
